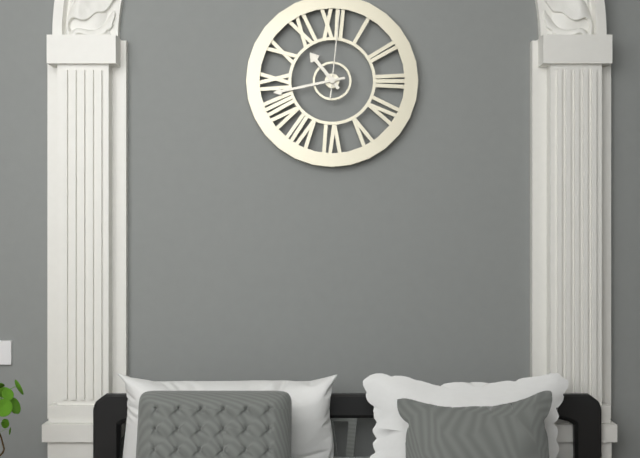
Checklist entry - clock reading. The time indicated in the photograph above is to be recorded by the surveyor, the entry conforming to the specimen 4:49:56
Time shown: 10:43:01
